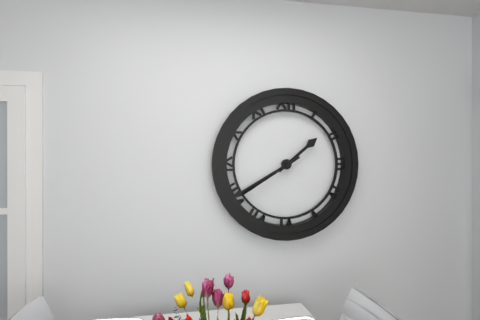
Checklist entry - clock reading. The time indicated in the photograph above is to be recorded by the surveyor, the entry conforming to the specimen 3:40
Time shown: 1:40
